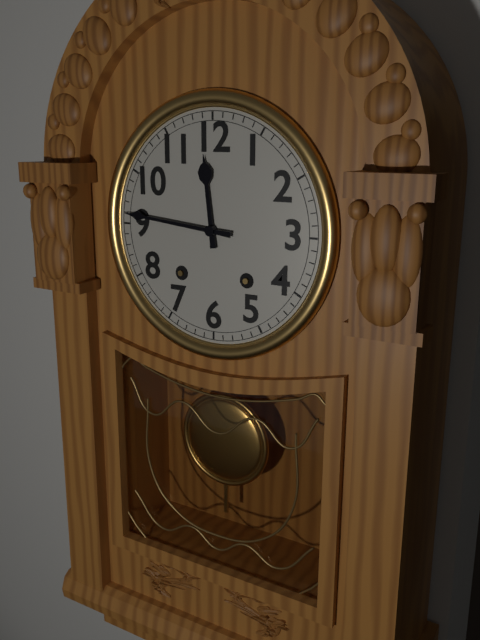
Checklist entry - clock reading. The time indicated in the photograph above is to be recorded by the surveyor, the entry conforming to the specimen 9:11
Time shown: 11:46
